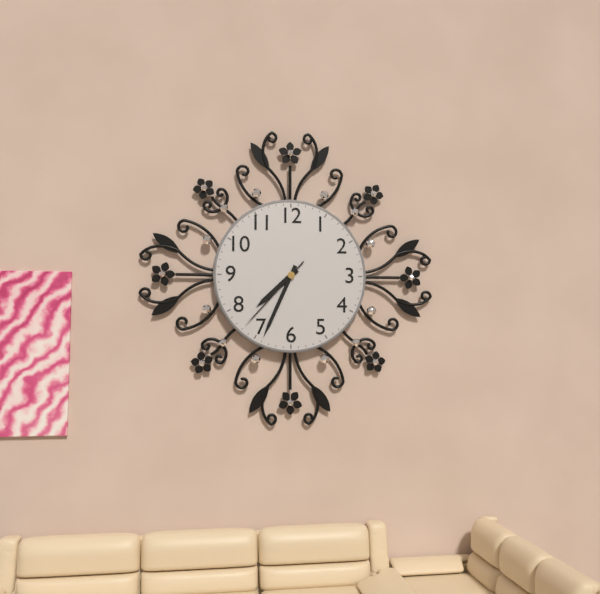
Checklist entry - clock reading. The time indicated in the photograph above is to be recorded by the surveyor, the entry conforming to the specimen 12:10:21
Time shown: 7:34:37
